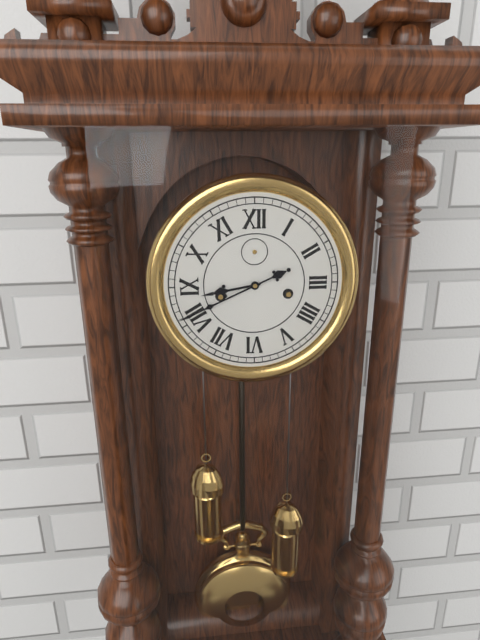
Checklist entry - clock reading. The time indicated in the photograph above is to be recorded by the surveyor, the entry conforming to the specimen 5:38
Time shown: 8:41
